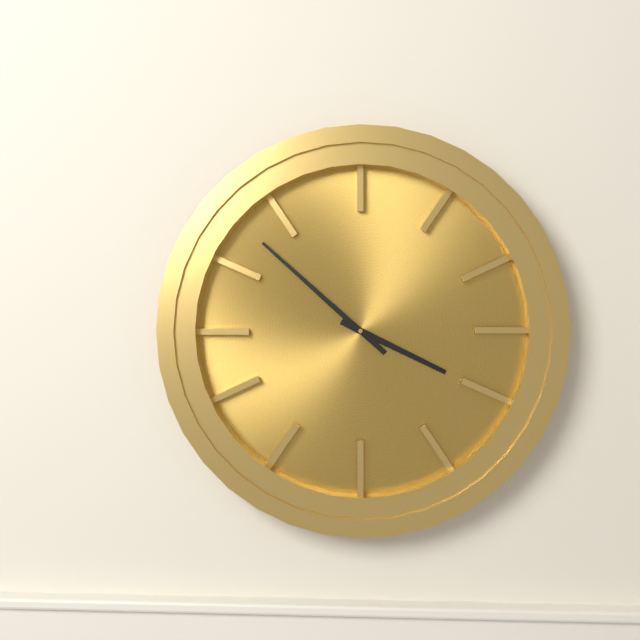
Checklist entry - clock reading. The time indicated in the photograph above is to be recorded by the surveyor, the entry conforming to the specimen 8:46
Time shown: 3:52
